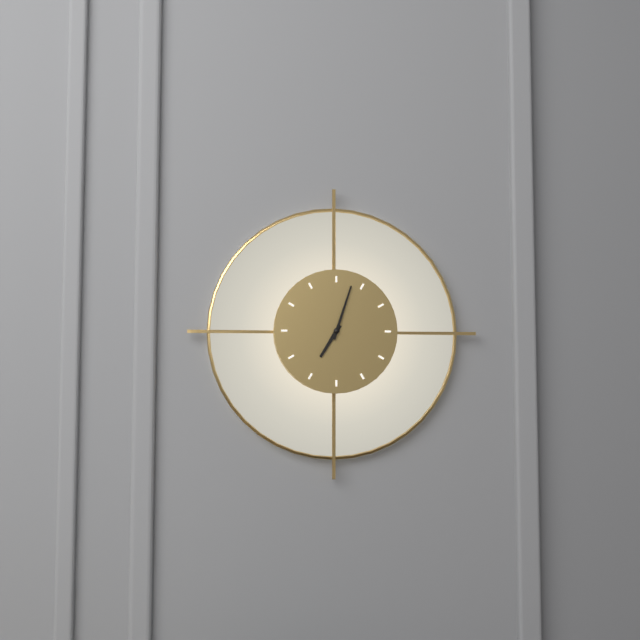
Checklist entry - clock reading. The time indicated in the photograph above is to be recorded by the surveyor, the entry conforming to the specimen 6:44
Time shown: 7:03
